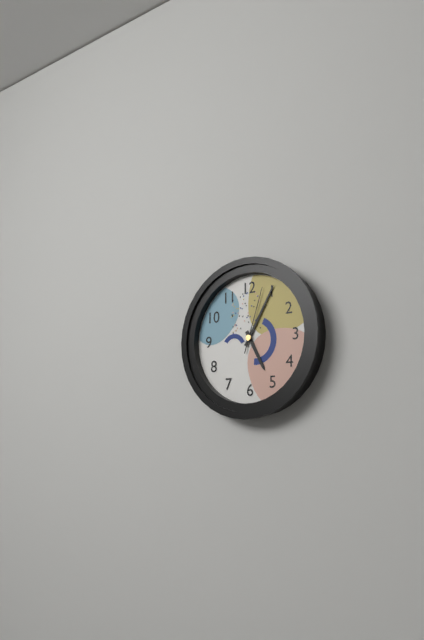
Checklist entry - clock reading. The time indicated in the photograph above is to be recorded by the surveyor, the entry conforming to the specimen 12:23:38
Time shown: 5:05:03
